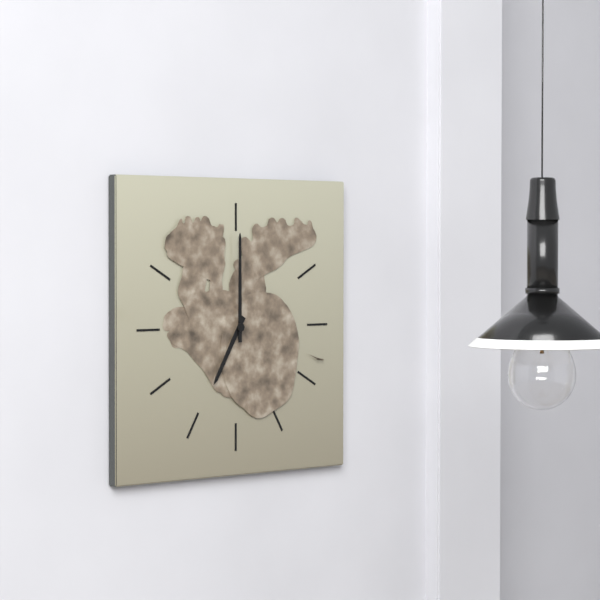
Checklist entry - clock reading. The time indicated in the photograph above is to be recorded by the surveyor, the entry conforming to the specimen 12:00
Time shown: 7:00
